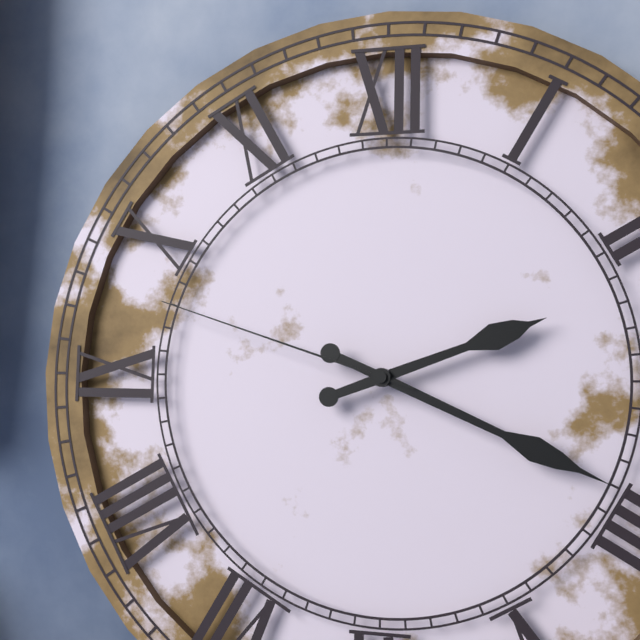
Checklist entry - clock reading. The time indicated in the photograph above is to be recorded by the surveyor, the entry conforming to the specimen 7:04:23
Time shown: 2:19:48
